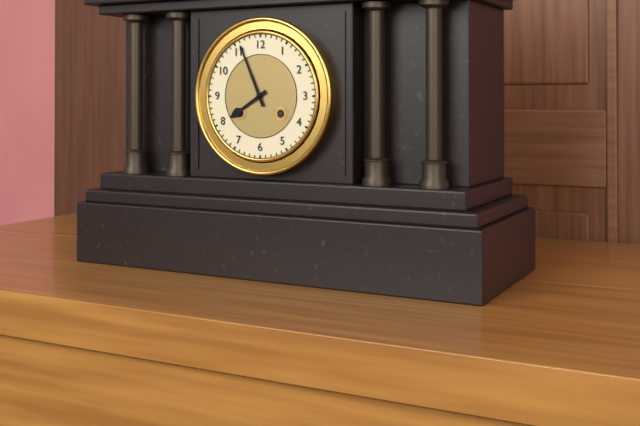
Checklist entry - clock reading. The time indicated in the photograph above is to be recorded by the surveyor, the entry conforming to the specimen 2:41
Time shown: 7:56
